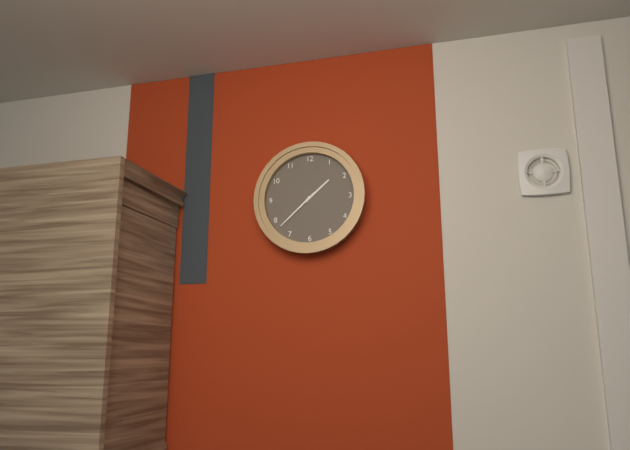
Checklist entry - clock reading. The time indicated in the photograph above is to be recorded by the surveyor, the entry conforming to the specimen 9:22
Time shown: 1:38
